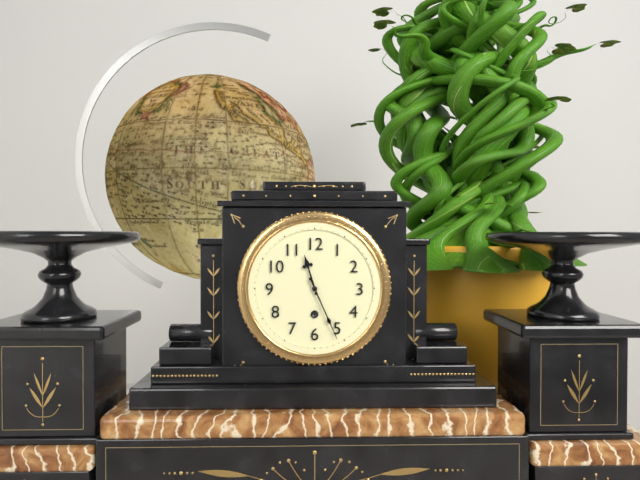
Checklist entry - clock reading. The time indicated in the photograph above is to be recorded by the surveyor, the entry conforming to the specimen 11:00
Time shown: 11:26
